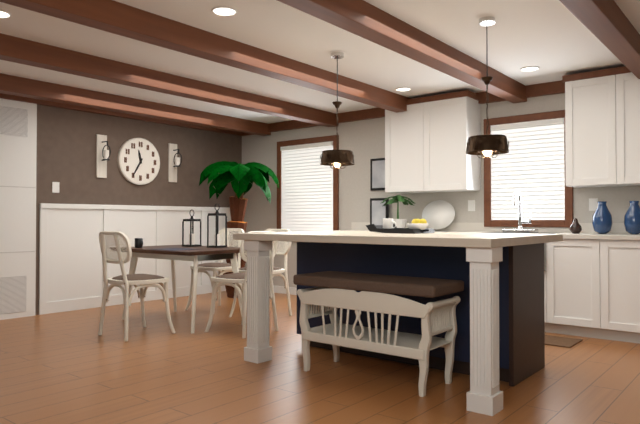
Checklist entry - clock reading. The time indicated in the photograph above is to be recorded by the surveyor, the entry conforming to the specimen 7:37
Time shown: 11:35
